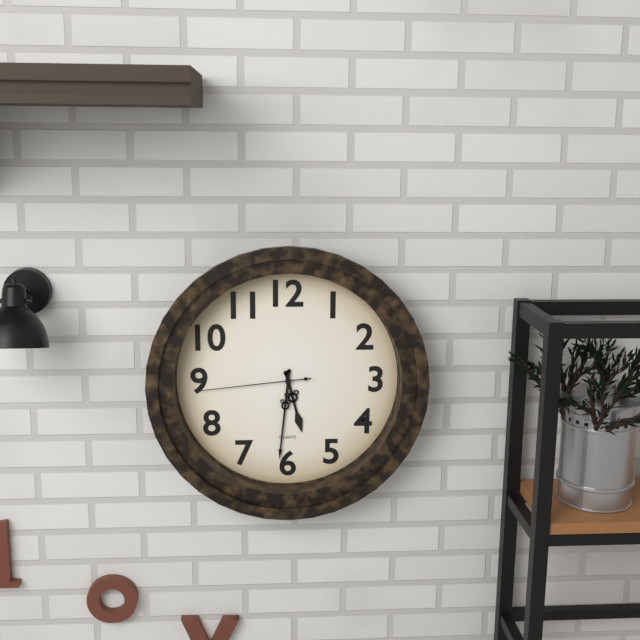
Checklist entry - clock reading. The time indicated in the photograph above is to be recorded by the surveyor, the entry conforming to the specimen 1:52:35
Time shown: 5:31:44
